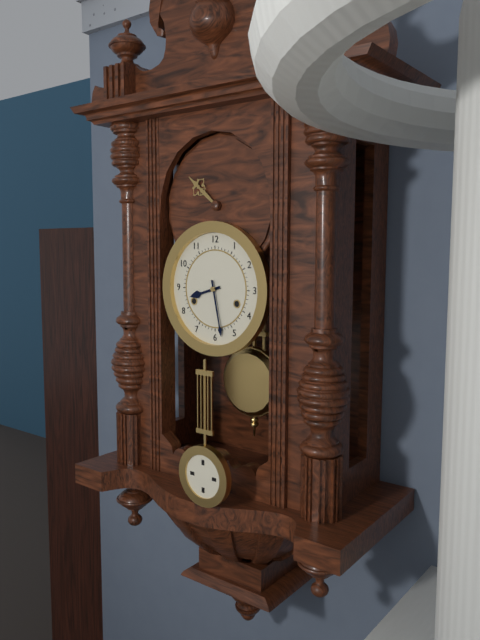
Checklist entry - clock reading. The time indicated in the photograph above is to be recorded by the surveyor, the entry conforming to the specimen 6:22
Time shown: 8:28
